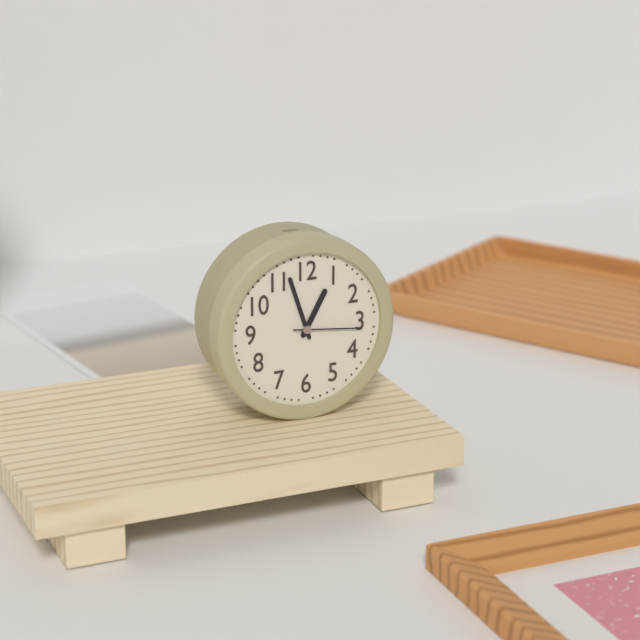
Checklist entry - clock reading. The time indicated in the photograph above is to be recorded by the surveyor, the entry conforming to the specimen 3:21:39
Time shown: 12:57:16
